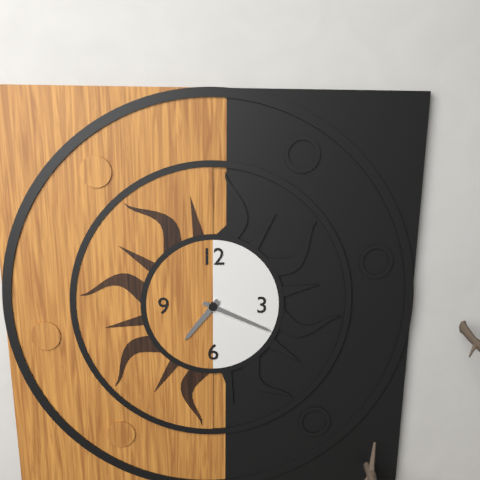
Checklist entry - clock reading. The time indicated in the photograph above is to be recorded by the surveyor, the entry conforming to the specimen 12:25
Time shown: 7:19
